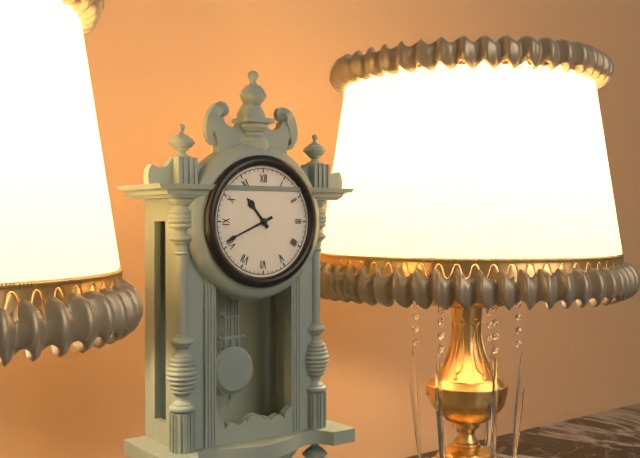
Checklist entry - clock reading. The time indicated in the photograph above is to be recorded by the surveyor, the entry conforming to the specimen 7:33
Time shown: 10:41
